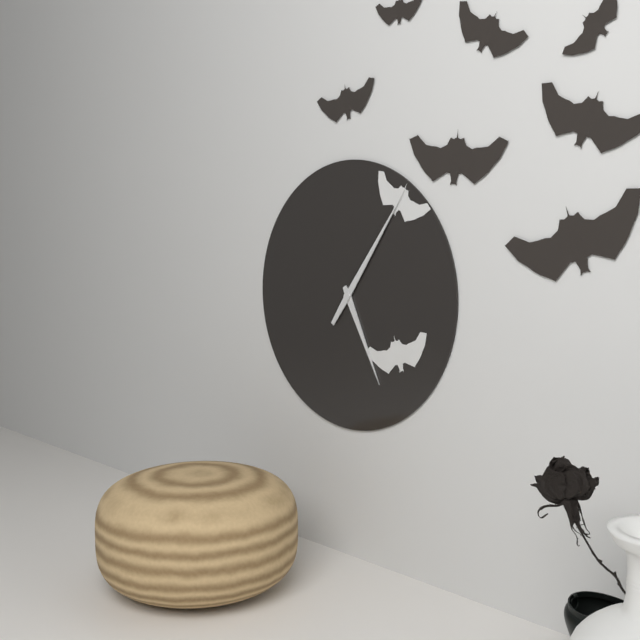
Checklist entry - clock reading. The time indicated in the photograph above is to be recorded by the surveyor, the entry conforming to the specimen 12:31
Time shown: 5:06
